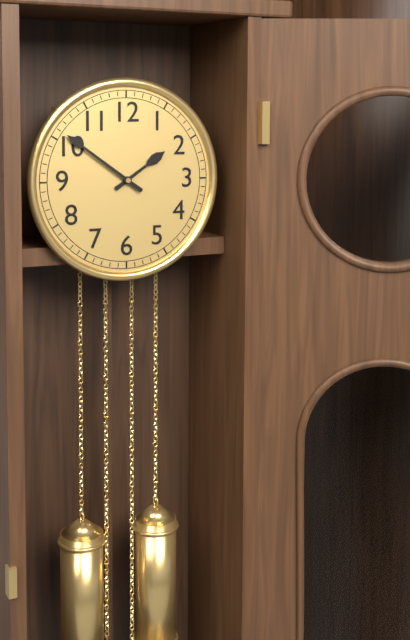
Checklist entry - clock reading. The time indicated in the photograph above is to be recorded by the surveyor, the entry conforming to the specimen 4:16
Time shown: 1:51
